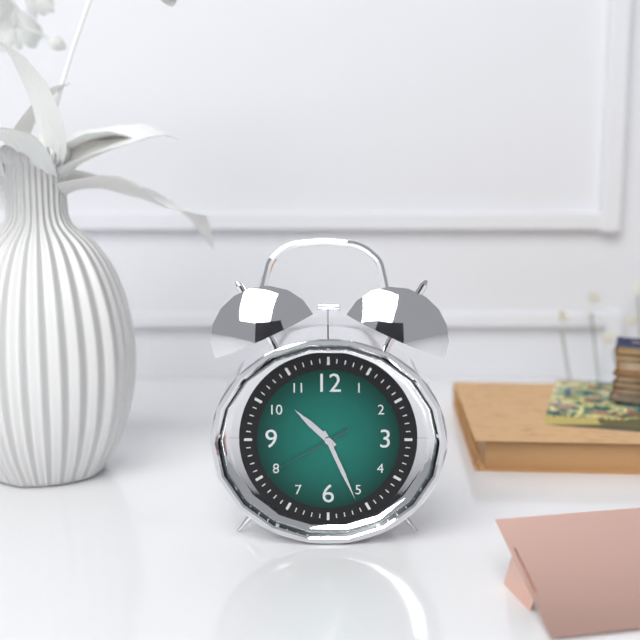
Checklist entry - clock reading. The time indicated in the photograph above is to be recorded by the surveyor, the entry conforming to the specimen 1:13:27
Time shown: 10:26:40
